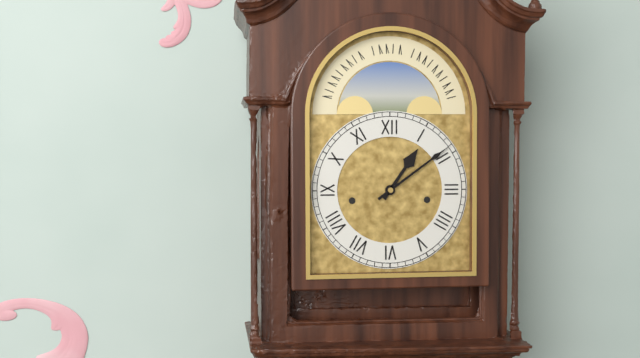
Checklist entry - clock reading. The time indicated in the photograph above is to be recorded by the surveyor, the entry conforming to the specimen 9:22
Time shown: 1:09
